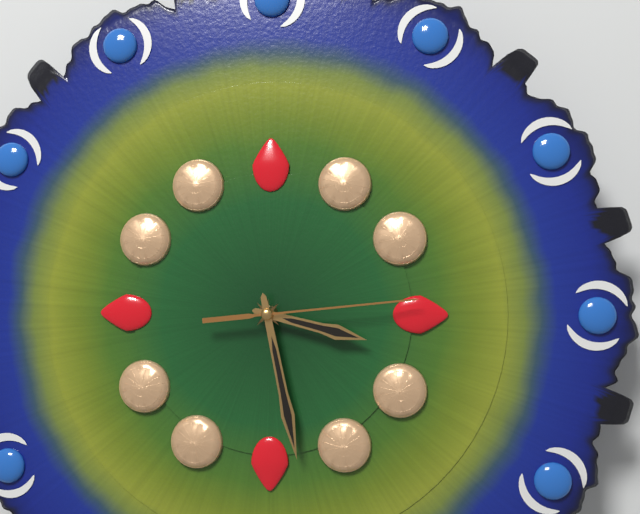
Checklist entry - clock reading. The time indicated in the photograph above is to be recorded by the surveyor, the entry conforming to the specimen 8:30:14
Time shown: 3:28:14
